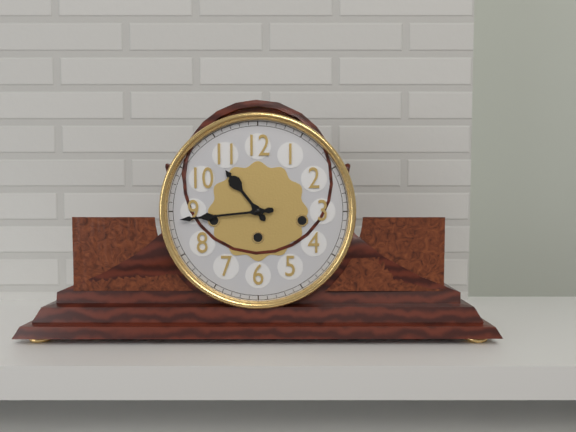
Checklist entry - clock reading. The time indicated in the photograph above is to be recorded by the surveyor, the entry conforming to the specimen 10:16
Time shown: 10:44
